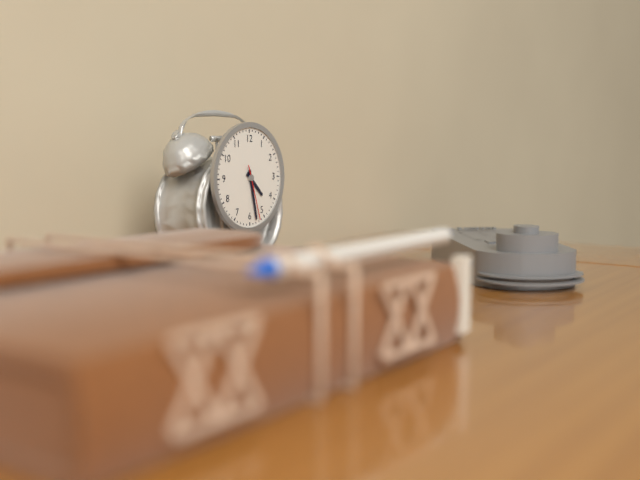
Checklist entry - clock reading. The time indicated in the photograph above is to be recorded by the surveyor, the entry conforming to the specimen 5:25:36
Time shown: 4:28:27
